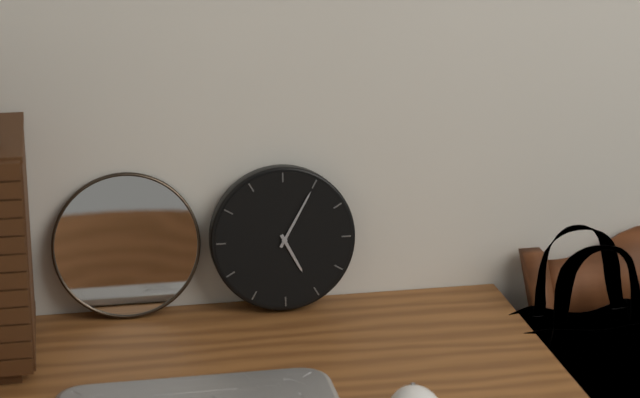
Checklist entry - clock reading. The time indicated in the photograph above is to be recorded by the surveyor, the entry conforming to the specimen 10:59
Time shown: 5:05
